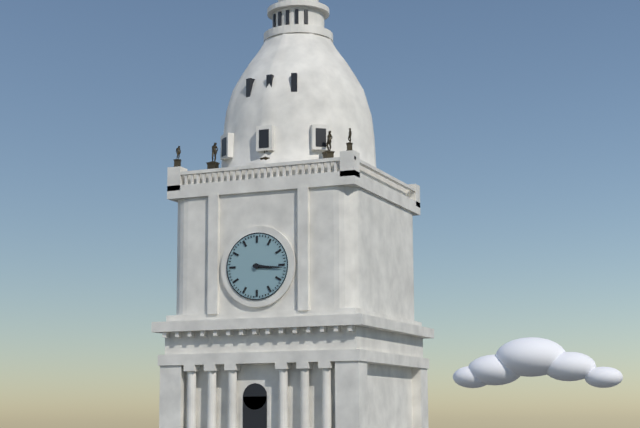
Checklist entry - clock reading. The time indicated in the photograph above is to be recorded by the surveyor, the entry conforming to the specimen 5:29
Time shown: 3:16
